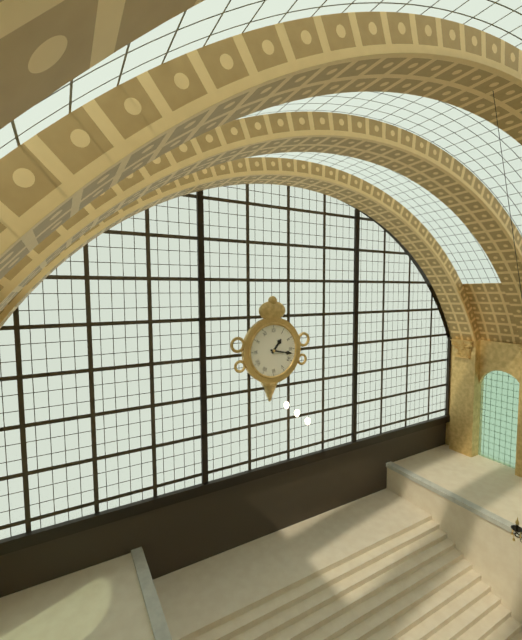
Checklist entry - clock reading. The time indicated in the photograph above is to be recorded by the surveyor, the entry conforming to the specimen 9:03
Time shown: 1:17
